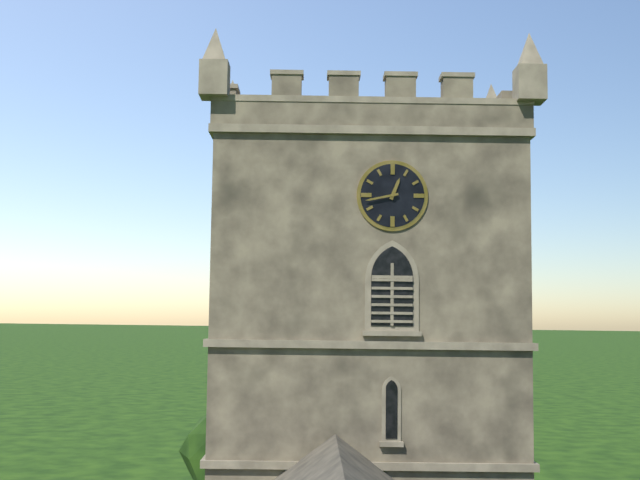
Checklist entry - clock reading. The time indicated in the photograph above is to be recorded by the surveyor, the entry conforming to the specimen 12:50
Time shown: 12:43
